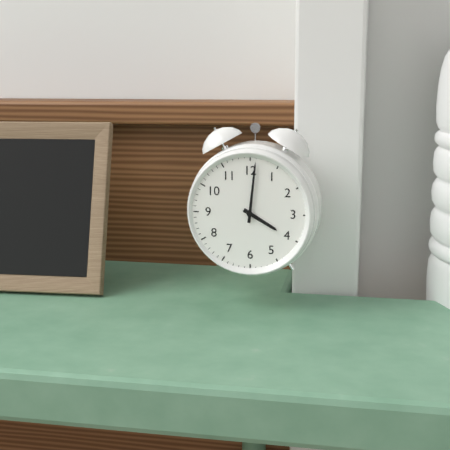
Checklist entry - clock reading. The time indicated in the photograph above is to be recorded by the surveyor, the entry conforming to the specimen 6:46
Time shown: 4:01
